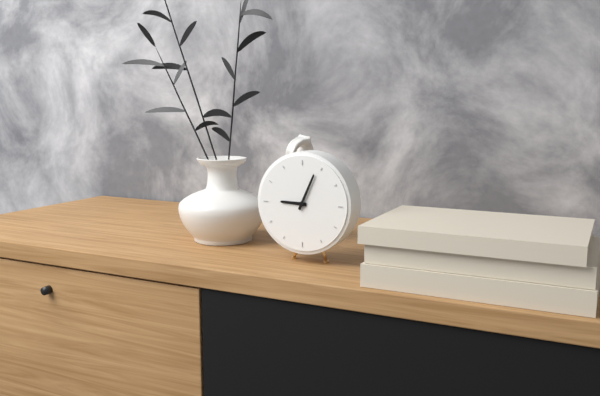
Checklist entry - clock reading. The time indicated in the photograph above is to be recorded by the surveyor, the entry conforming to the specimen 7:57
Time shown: 9:04
